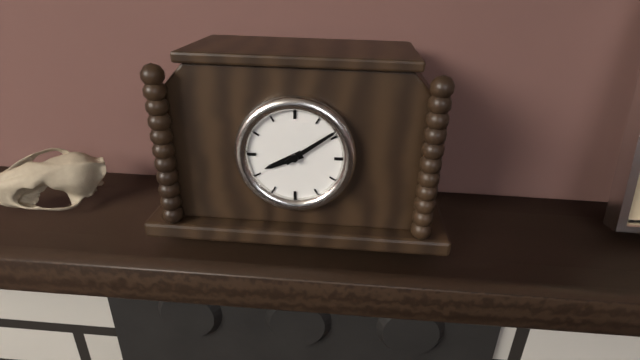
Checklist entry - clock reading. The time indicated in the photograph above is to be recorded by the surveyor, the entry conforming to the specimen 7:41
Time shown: 8:09
